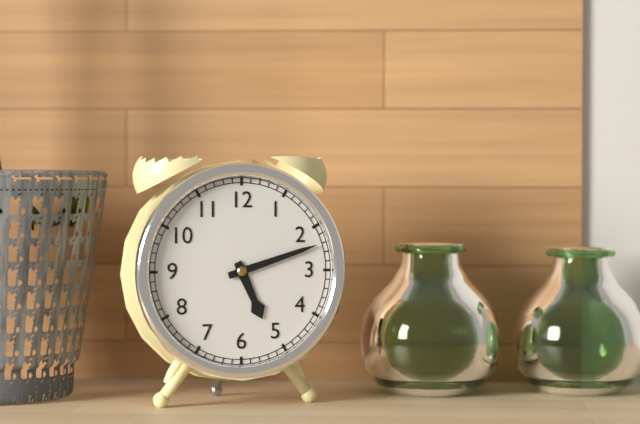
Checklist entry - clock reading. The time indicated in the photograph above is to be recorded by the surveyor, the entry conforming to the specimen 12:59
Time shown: 5:12
